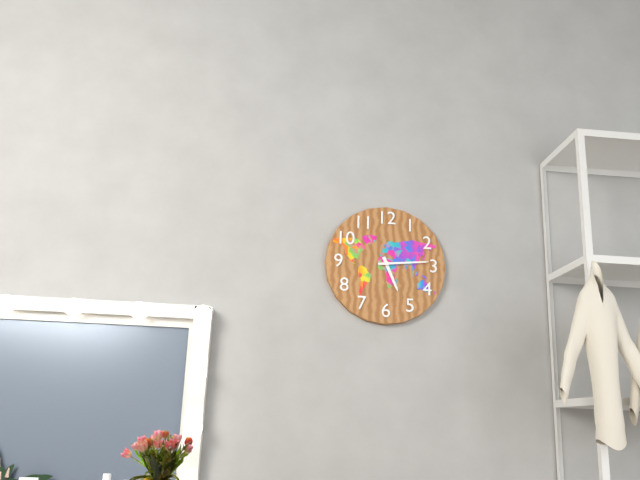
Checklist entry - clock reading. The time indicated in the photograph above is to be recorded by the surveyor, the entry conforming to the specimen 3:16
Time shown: 5:14
